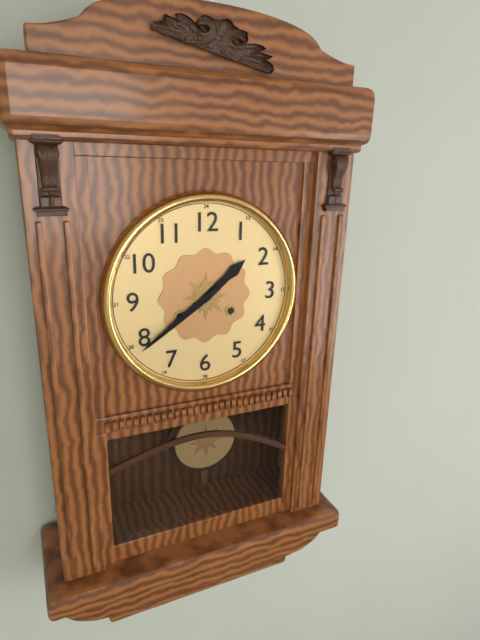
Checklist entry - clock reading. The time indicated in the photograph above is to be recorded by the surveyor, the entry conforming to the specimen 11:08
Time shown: 1:39
